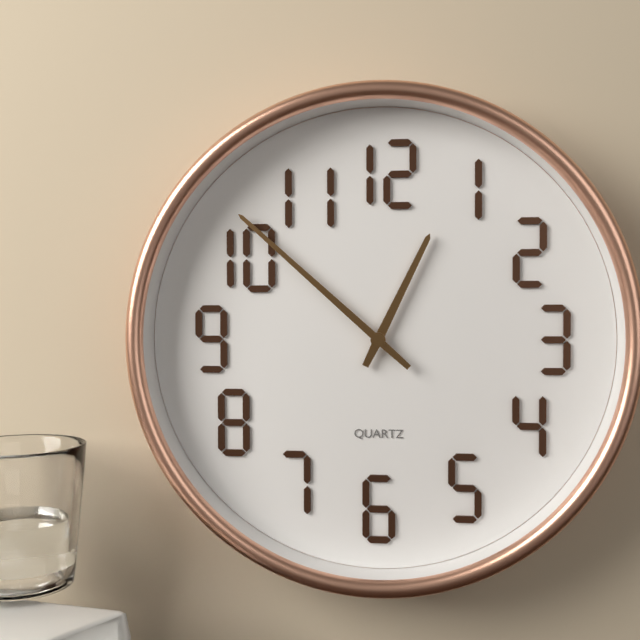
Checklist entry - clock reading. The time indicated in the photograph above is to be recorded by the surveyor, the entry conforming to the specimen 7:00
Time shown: 12:52
